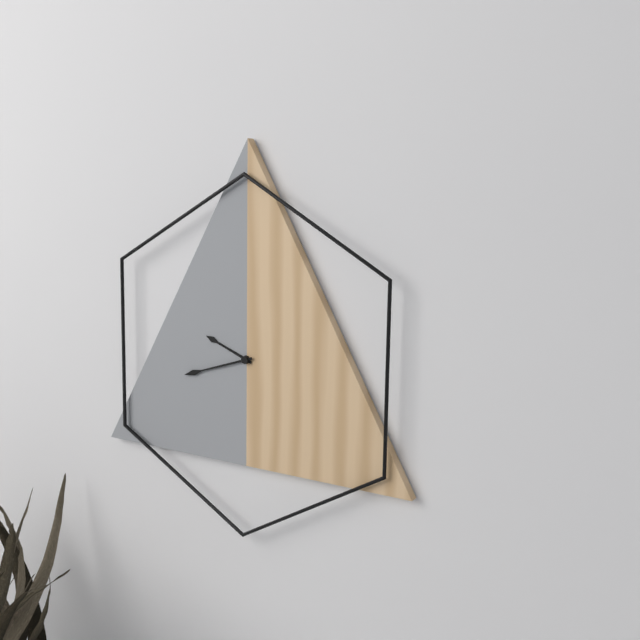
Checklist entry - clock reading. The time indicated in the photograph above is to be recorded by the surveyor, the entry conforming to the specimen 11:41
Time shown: 9:42
